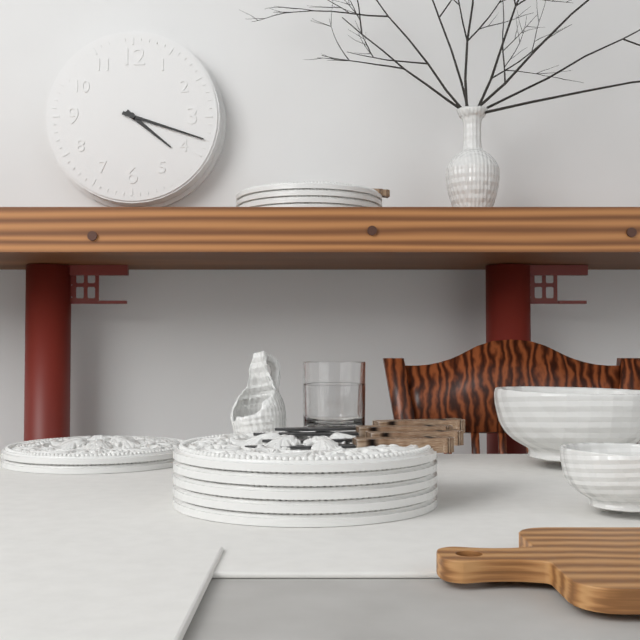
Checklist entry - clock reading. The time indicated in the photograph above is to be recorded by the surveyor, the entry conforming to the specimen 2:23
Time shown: 4:18
